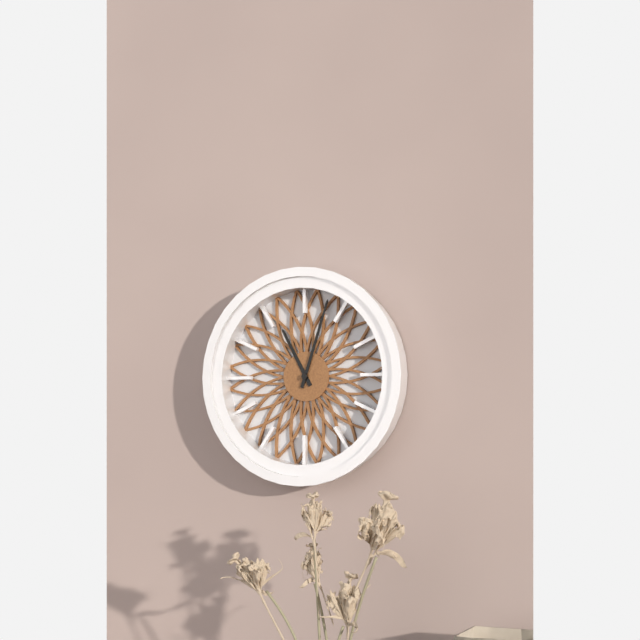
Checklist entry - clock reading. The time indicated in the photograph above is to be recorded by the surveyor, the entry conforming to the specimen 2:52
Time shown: 11:03
